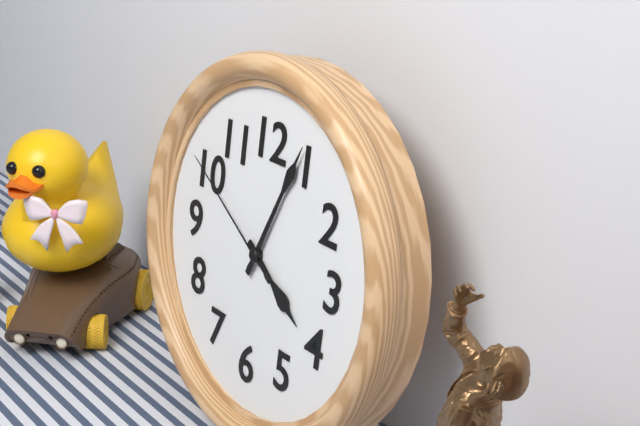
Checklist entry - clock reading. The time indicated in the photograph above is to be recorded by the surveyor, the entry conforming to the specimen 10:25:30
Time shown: 4:04:50
